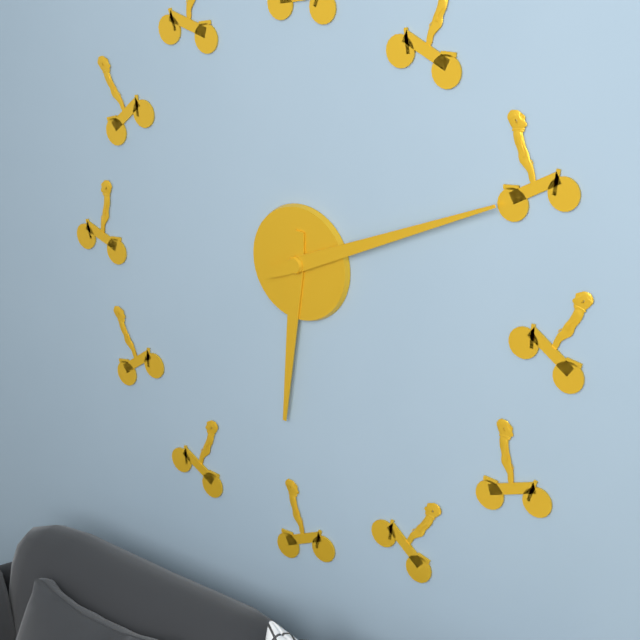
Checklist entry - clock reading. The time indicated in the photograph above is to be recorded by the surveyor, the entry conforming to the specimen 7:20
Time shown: 6:11
